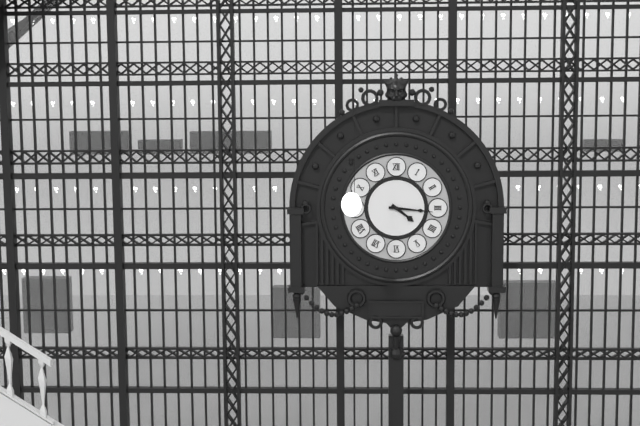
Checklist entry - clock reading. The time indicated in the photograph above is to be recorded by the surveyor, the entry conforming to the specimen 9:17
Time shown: 4:16
